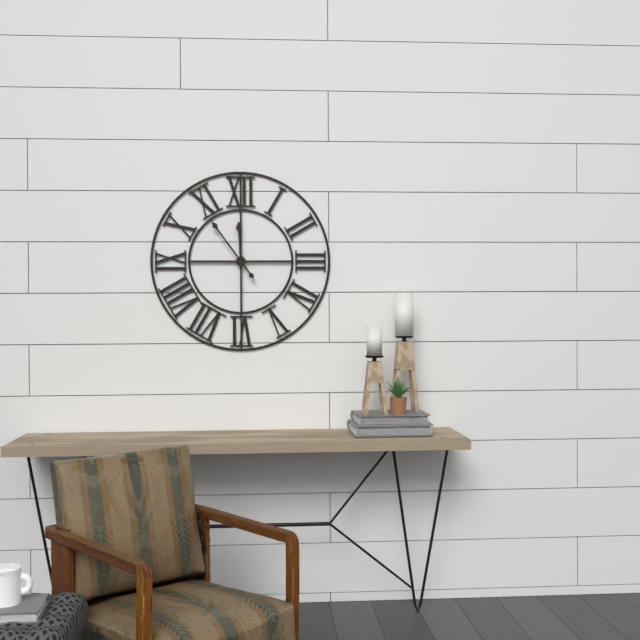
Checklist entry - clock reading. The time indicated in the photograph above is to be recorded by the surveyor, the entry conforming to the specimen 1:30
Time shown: 11:54
